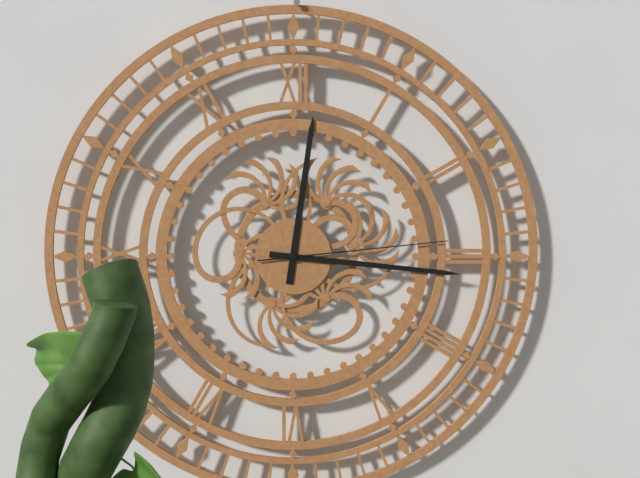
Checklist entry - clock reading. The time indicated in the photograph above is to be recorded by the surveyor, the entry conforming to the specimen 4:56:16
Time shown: 12:16:14
